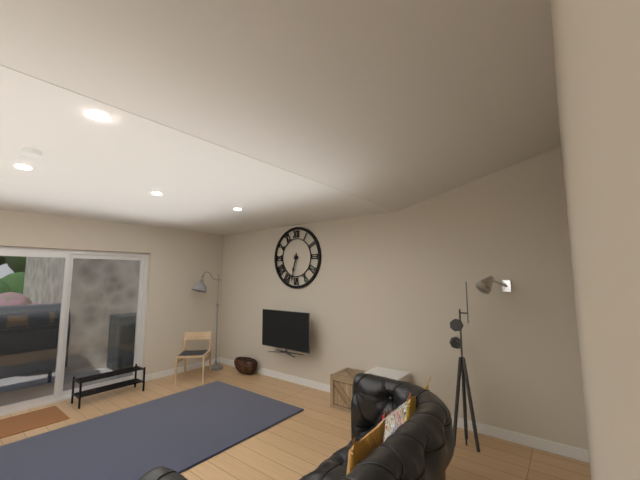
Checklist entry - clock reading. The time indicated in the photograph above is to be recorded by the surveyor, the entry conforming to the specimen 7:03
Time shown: 6:32
